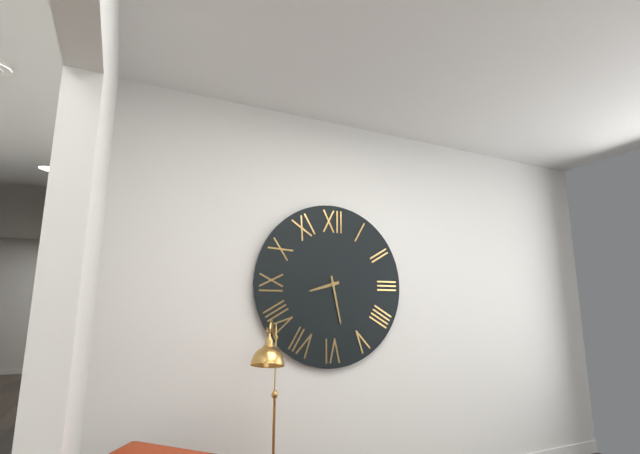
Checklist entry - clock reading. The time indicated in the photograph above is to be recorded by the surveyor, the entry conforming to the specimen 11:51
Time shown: 8:28
